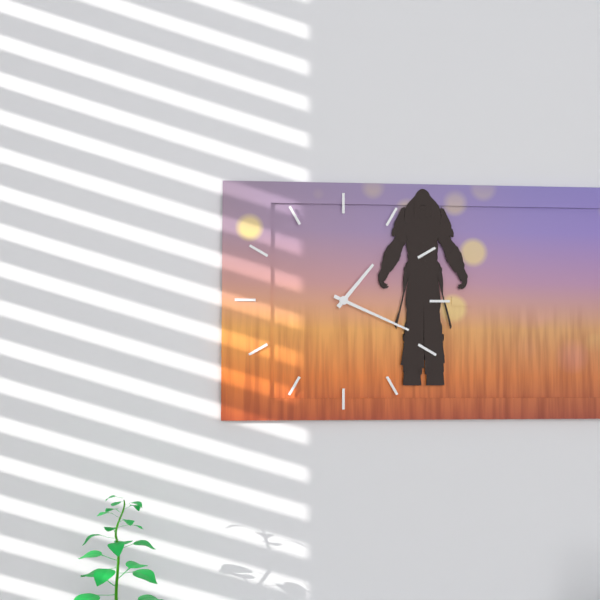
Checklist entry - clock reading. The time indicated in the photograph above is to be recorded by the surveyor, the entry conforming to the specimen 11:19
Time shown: 1:19
